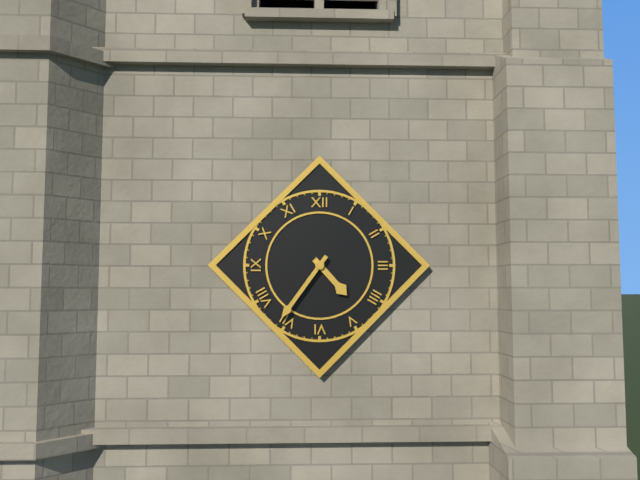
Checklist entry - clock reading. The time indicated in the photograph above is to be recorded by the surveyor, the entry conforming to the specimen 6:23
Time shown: 4:36
